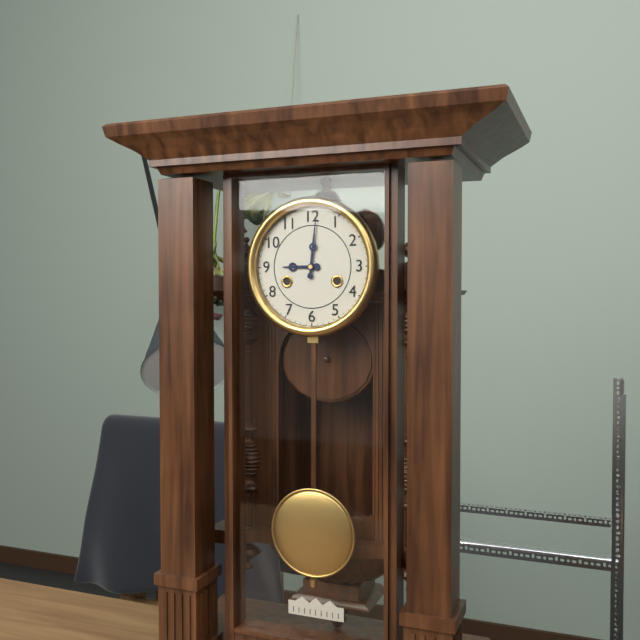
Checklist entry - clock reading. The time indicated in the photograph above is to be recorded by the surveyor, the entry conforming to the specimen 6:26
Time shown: 9:01
